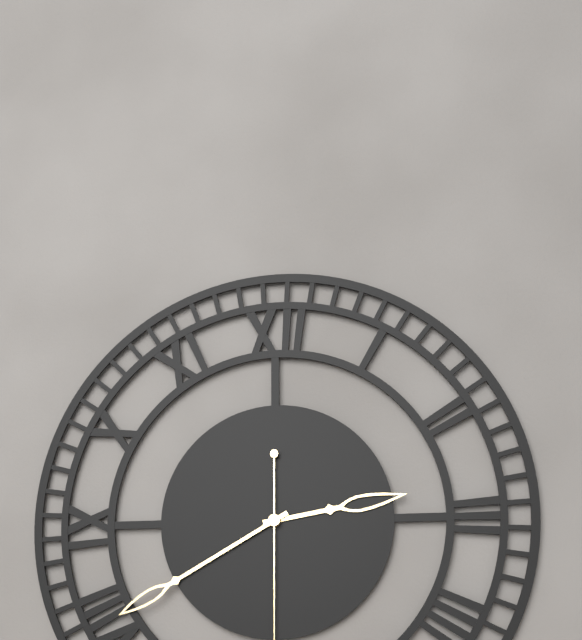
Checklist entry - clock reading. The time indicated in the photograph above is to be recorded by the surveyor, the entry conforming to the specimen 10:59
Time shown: 2:40
